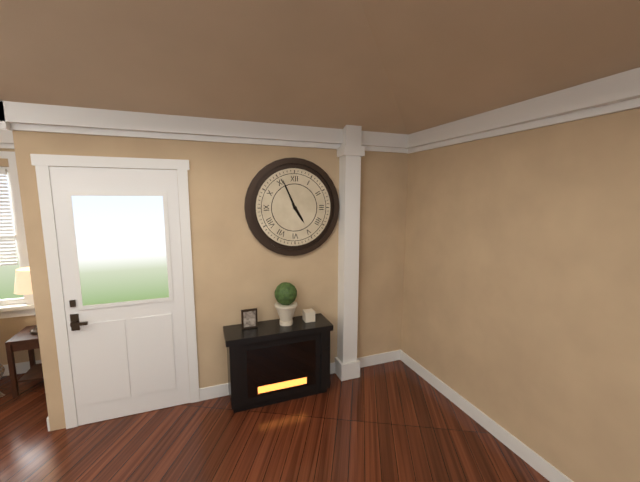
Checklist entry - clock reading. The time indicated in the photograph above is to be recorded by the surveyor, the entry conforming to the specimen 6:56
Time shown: 4:56
